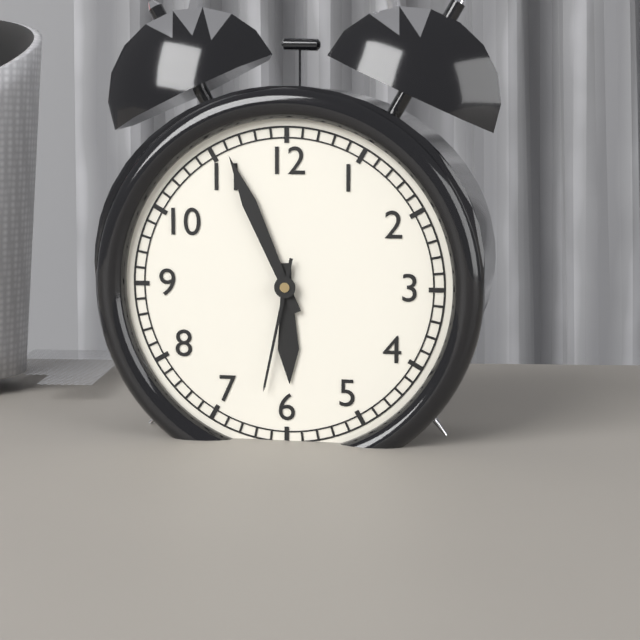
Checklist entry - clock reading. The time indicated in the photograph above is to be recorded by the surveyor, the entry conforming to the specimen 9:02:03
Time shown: 5:56:32
